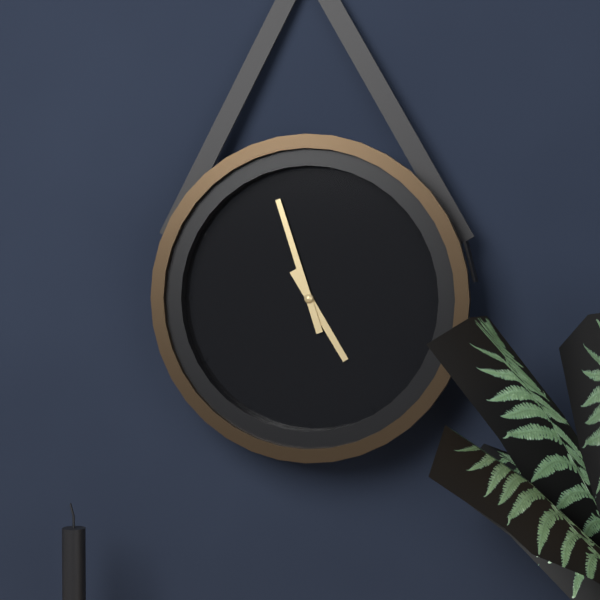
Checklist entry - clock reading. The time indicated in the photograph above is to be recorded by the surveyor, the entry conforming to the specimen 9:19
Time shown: 4:57
